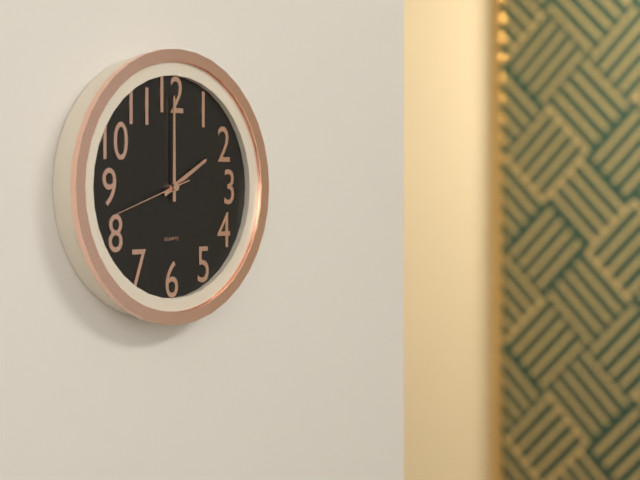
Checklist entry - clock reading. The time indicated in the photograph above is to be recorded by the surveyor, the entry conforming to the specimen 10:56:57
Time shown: 2:00:42
